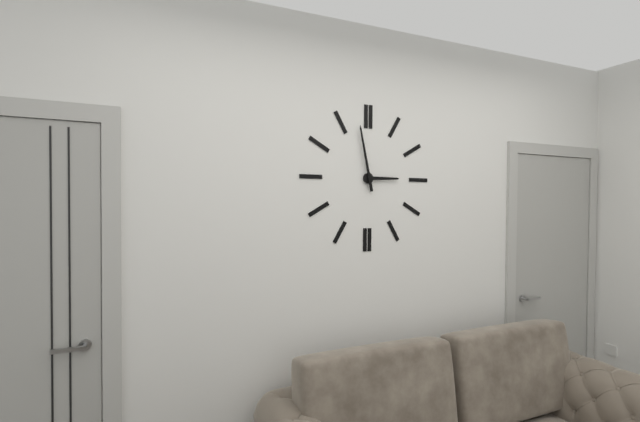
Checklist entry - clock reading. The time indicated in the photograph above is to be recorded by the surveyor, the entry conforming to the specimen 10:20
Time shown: 2:58
